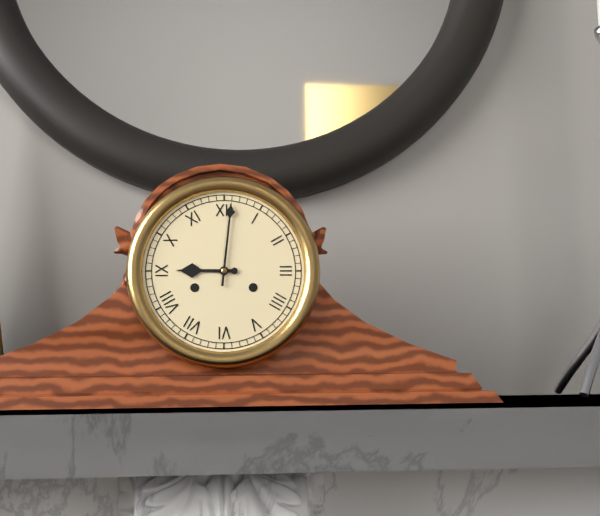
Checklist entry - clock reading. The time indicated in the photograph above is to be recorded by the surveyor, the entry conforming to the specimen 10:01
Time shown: 9:01
